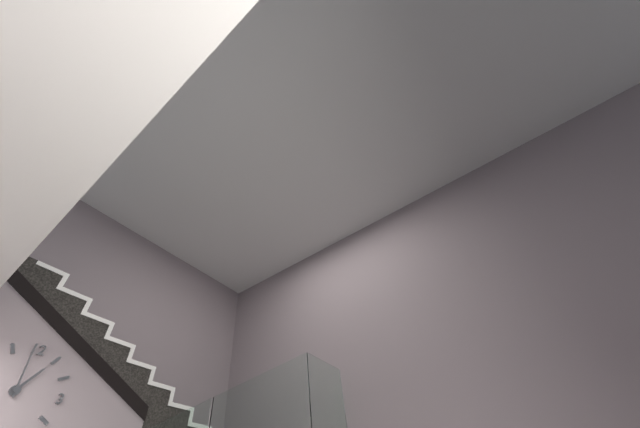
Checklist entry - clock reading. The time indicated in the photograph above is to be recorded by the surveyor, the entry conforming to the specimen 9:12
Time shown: 12:59
